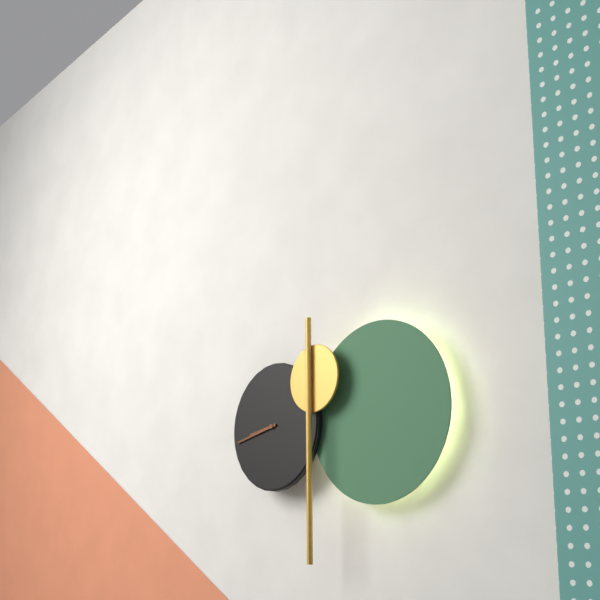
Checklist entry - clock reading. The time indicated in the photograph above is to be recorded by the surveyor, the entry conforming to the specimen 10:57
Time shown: 8:43
